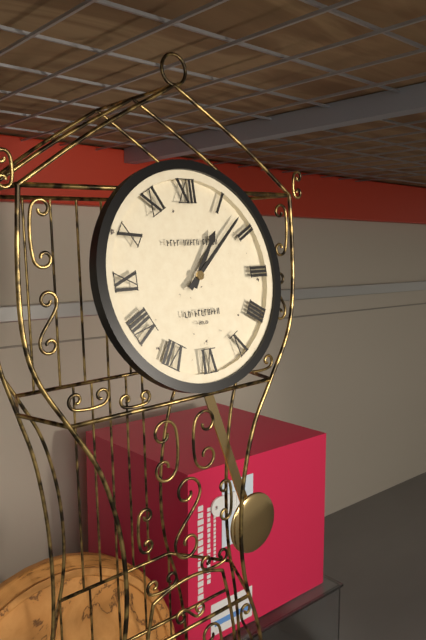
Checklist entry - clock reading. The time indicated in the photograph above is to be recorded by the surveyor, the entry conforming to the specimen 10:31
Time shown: 1:08
